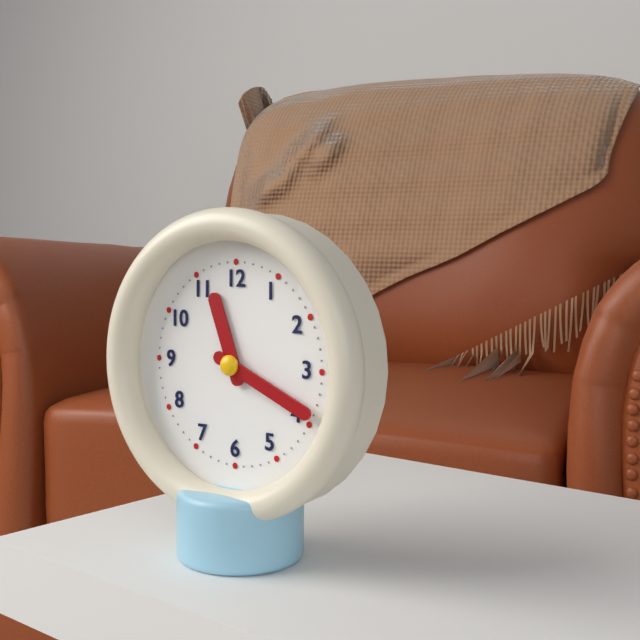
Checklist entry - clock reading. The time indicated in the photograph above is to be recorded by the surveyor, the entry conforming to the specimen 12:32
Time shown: 11:19
